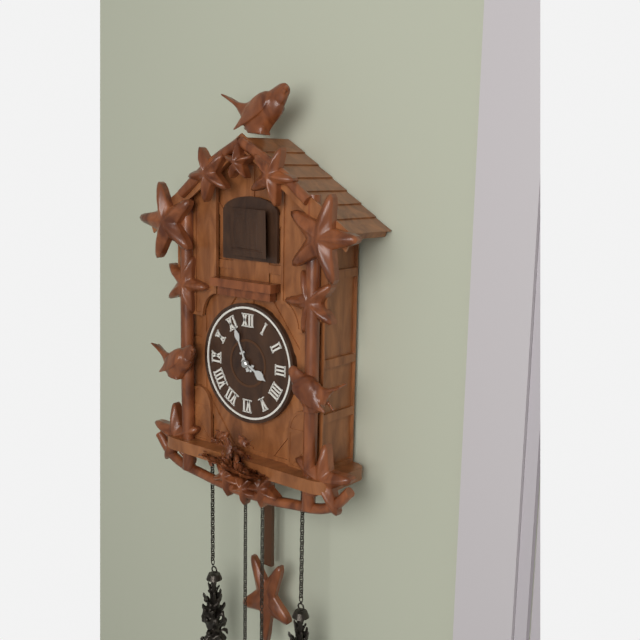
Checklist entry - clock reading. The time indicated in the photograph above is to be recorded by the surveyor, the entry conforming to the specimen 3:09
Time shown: 3:56
